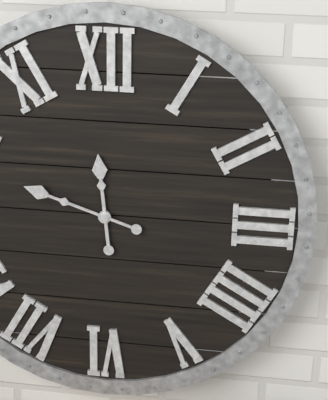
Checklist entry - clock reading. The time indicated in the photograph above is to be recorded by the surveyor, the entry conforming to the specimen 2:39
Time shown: 11:48
